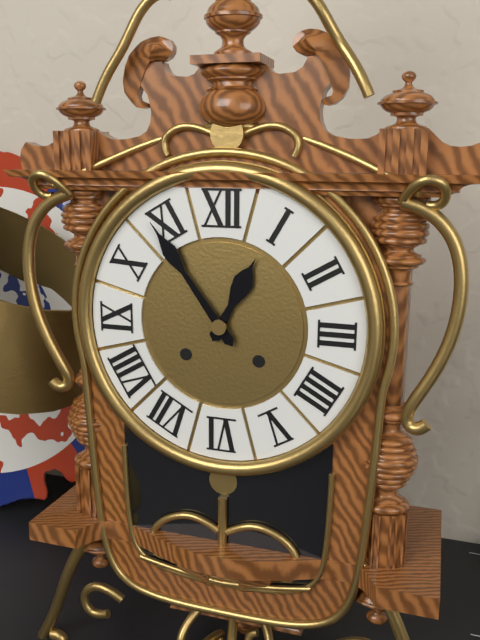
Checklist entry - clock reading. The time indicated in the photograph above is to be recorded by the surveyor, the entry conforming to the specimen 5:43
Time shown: 12:54
